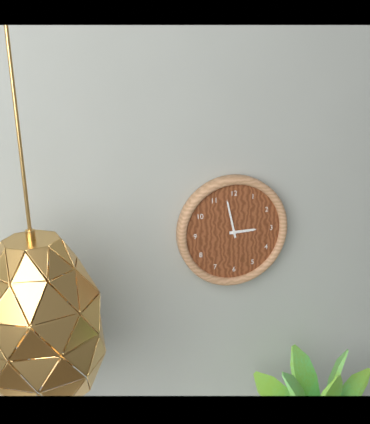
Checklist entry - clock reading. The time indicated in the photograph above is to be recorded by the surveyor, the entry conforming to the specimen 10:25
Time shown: 2:58
